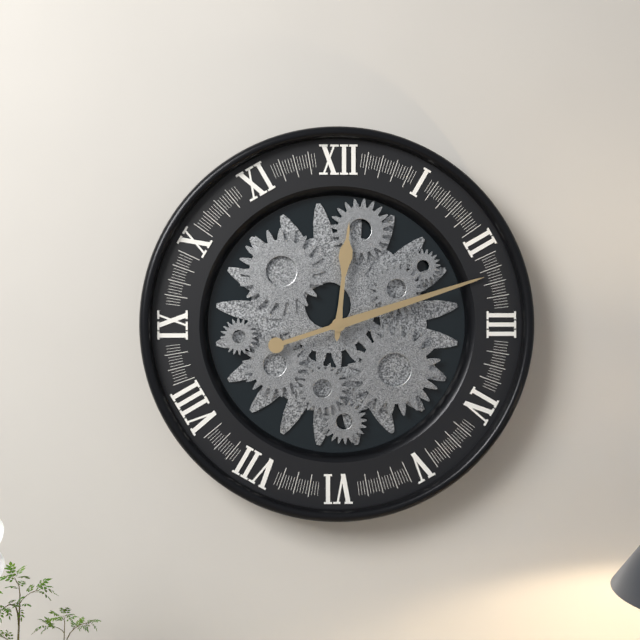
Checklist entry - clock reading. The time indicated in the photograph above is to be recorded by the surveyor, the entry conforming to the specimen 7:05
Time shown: 12:12
